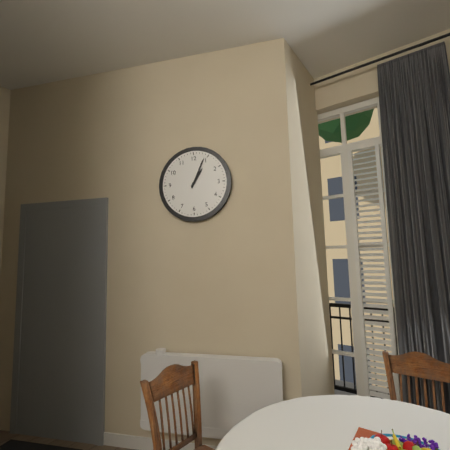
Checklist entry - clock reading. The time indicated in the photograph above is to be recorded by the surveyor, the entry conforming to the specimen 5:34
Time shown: 1:04
